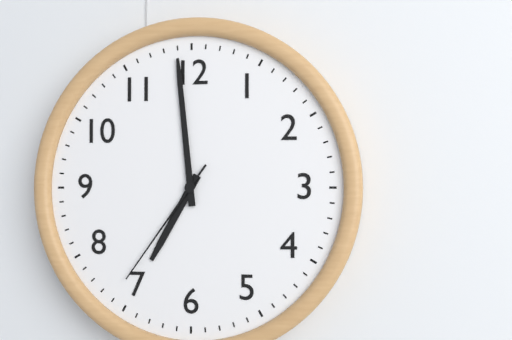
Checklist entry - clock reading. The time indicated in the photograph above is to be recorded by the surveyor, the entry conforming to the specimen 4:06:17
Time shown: 6:59:36
